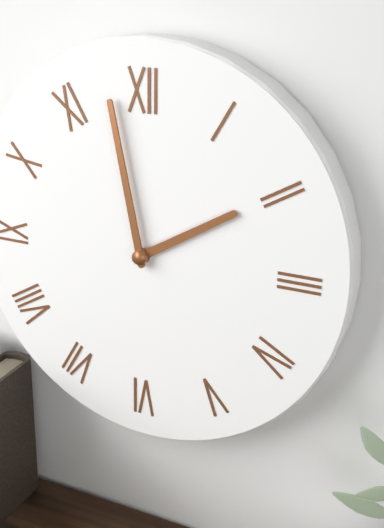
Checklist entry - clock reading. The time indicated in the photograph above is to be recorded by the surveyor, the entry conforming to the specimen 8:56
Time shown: 1:58
